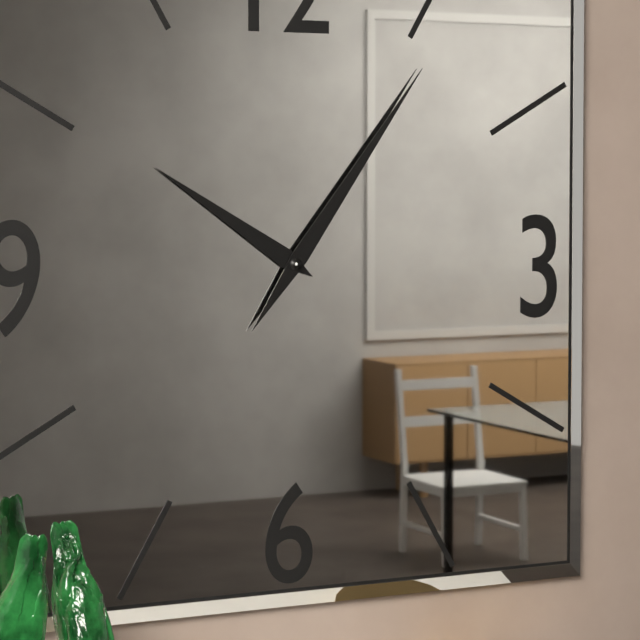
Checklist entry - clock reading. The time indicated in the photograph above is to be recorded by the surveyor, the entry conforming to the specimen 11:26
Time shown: 10:06
